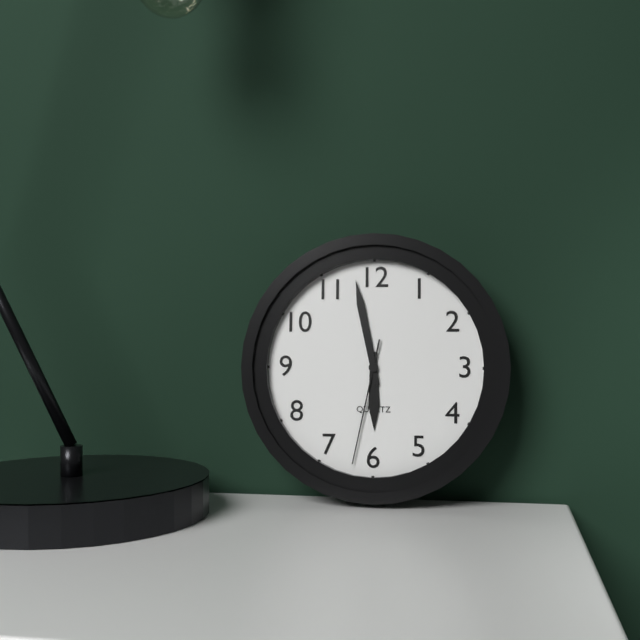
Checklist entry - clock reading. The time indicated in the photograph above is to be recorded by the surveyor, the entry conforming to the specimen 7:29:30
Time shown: 5:58:32
